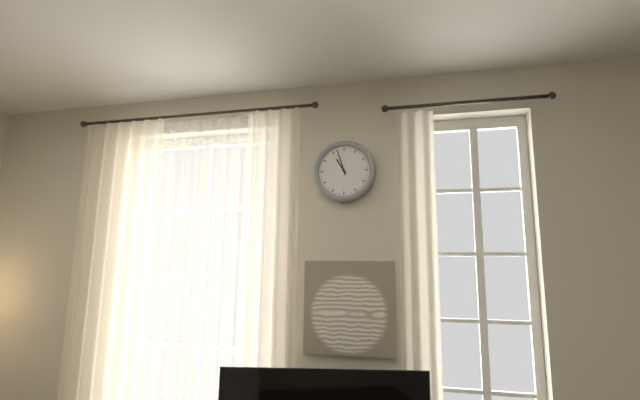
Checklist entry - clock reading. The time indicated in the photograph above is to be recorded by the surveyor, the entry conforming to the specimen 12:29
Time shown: 10:57
